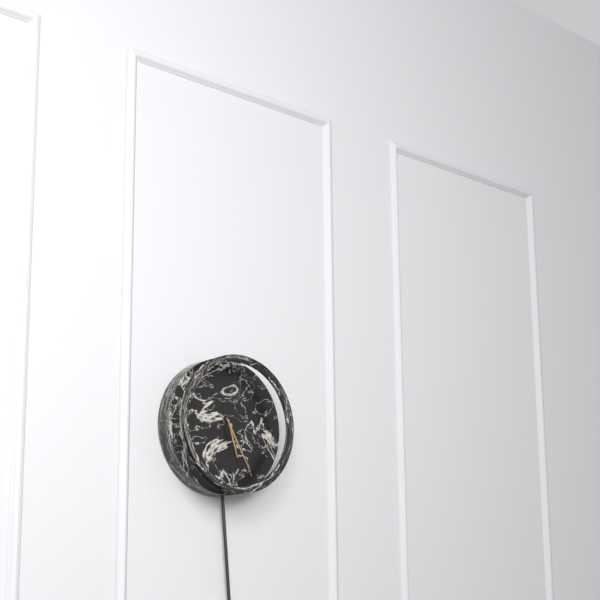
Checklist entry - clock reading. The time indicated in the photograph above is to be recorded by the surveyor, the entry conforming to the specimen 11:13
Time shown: 5:25
